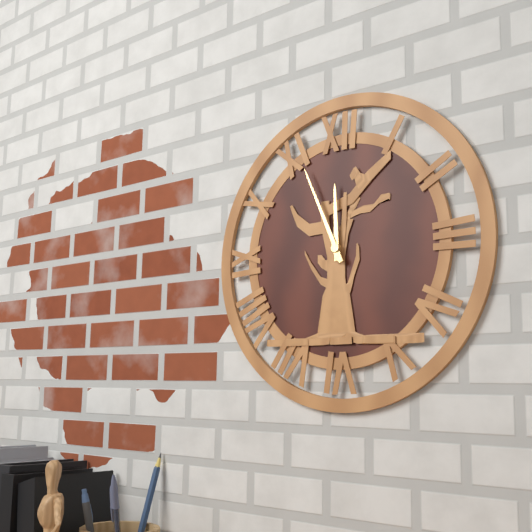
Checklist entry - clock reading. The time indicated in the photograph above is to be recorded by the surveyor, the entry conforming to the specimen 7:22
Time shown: 11:56
